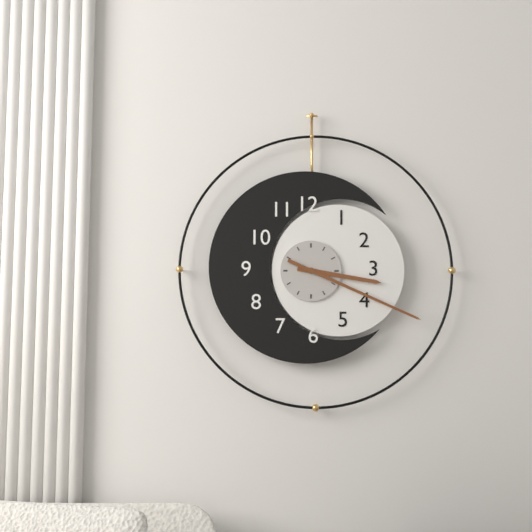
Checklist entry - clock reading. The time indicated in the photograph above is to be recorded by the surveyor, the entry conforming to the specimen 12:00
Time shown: 3:19
